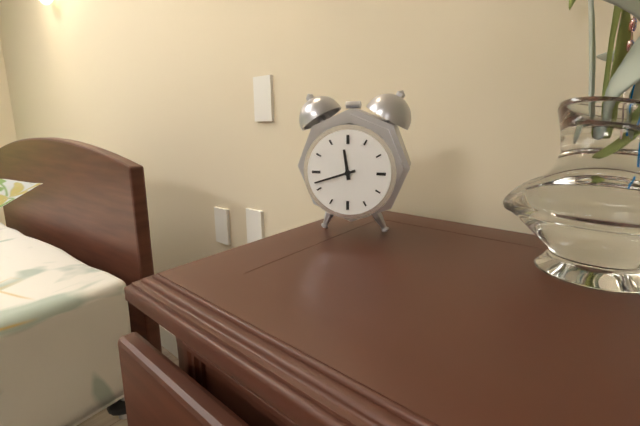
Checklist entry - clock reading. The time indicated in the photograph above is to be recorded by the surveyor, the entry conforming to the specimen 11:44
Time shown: 11:42
